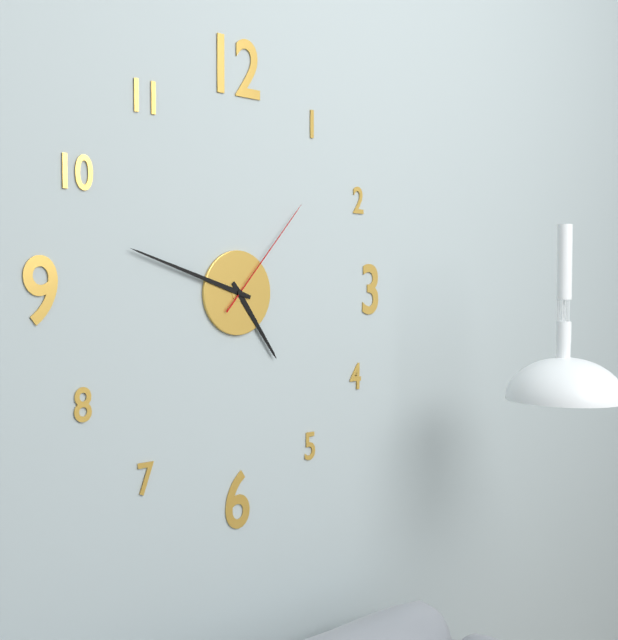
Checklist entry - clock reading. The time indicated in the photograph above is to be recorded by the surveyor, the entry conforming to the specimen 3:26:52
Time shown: 4:48:07
